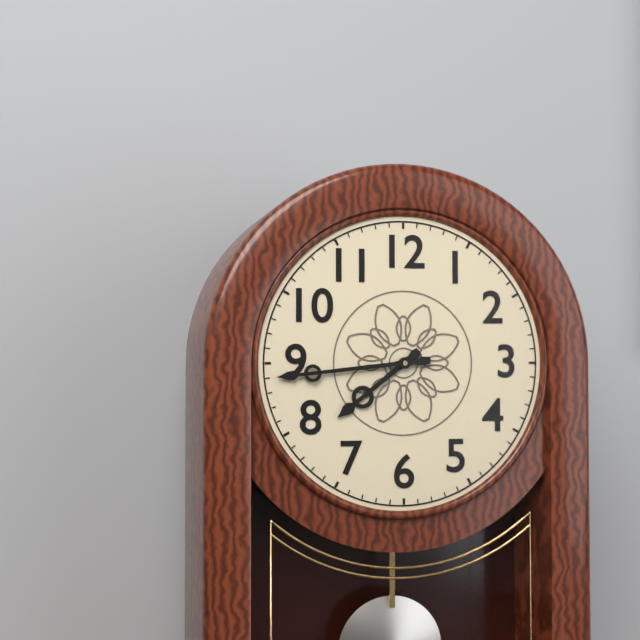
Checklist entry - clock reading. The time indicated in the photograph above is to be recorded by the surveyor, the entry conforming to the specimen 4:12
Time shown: 7:44
